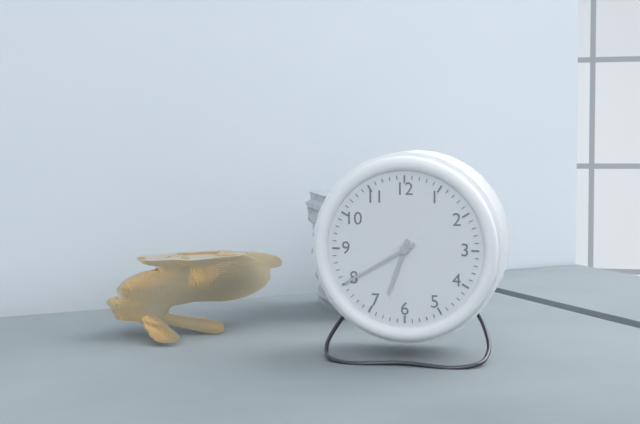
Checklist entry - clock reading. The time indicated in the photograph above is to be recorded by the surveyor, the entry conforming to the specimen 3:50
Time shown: 6:40
